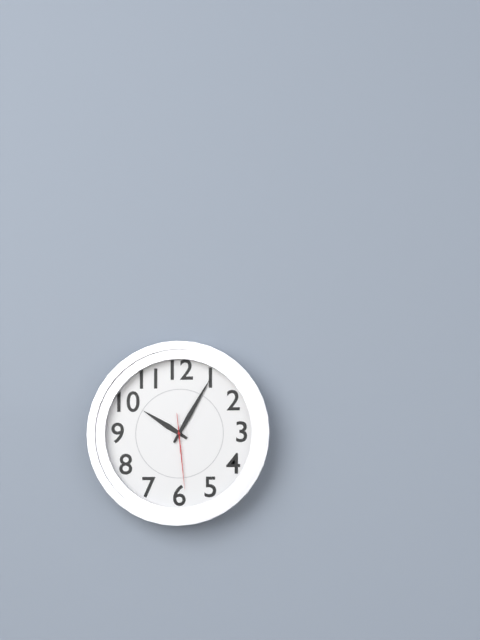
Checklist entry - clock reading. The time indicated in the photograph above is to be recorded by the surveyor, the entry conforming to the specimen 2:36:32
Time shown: 10:05:29
